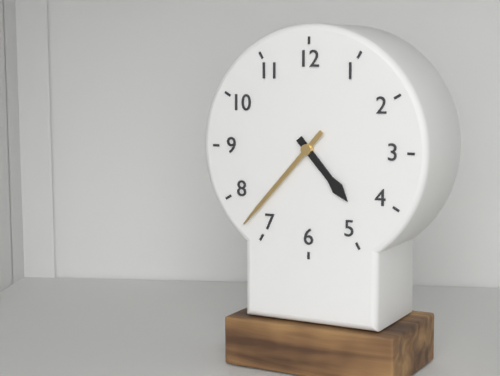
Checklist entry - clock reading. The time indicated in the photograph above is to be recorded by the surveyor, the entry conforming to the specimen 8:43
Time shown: 4:37
